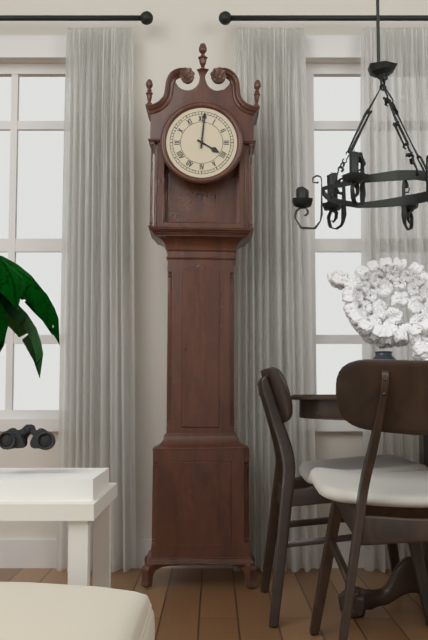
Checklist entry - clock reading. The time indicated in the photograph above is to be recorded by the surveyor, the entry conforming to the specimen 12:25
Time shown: 4:01
